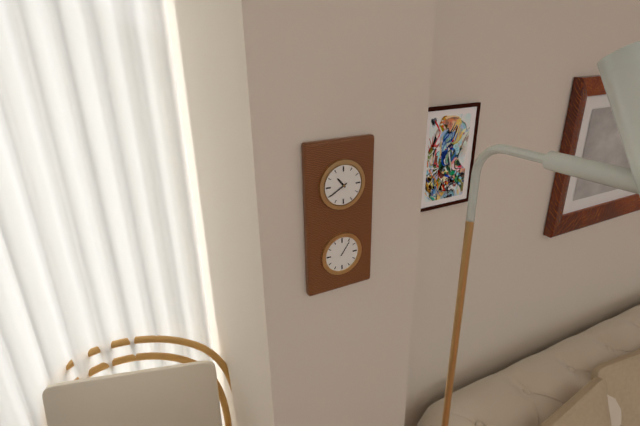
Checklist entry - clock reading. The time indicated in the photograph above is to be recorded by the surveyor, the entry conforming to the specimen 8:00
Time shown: 10:40
